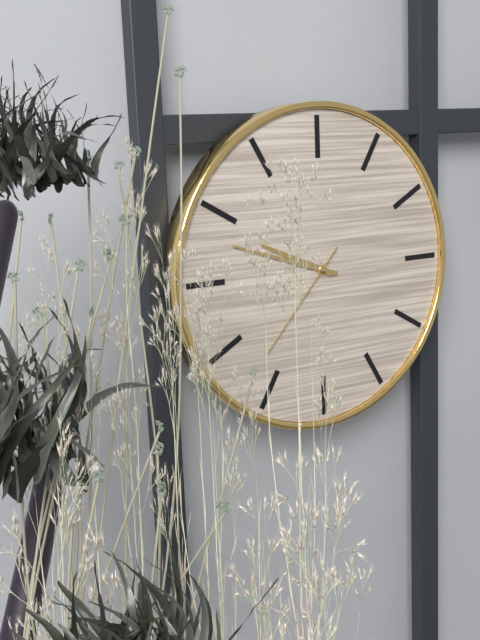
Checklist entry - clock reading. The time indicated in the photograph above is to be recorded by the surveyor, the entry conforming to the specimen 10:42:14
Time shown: 9:48:37
